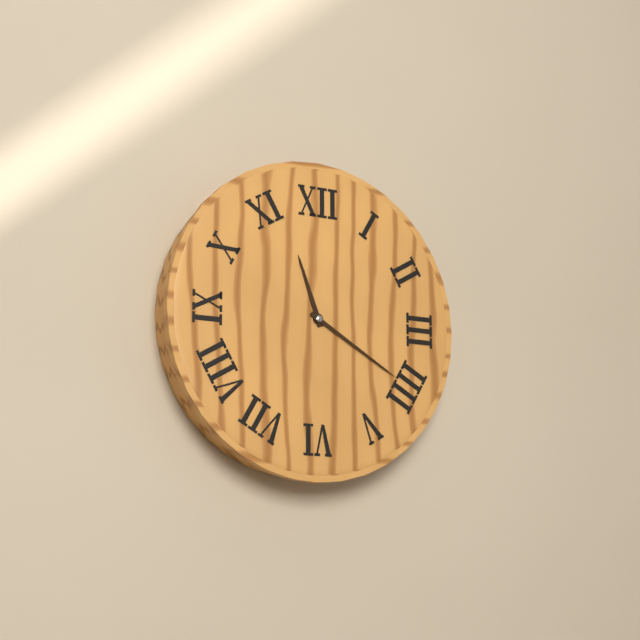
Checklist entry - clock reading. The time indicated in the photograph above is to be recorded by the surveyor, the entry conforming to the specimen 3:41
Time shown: 11:20
